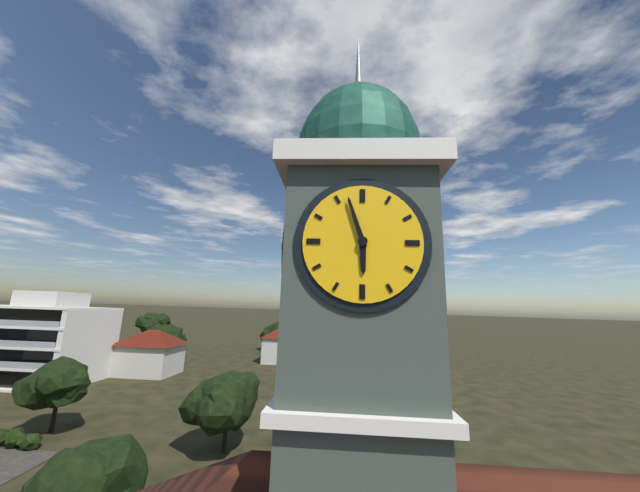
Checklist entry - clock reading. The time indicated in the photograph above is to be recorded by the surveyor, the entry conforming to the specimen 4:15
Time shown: 5:57
